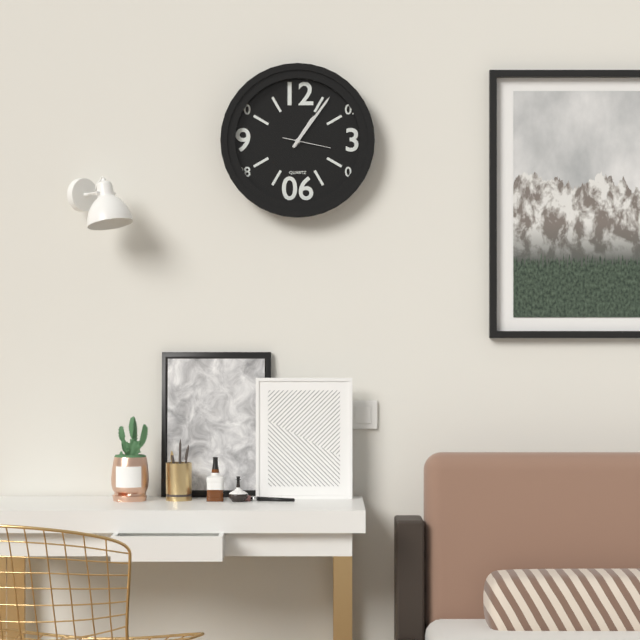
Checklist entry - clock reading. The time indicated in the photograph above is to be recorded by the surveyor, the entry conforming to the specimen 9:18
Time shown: 1:06
